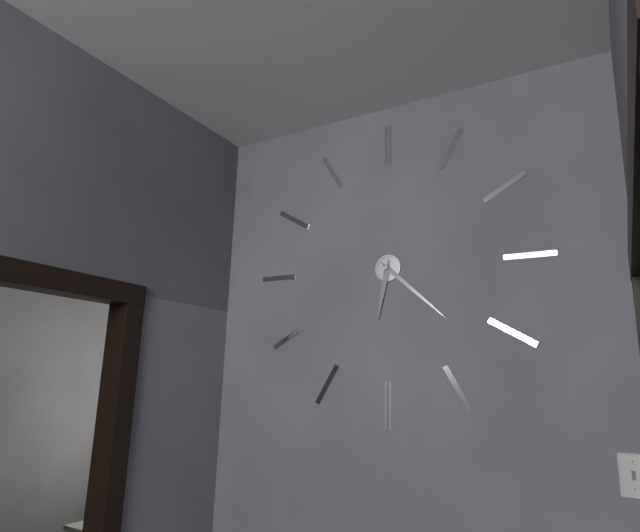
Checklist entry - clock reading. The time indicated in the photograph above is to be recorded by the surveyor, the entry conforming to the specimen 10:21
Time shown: 6:22
